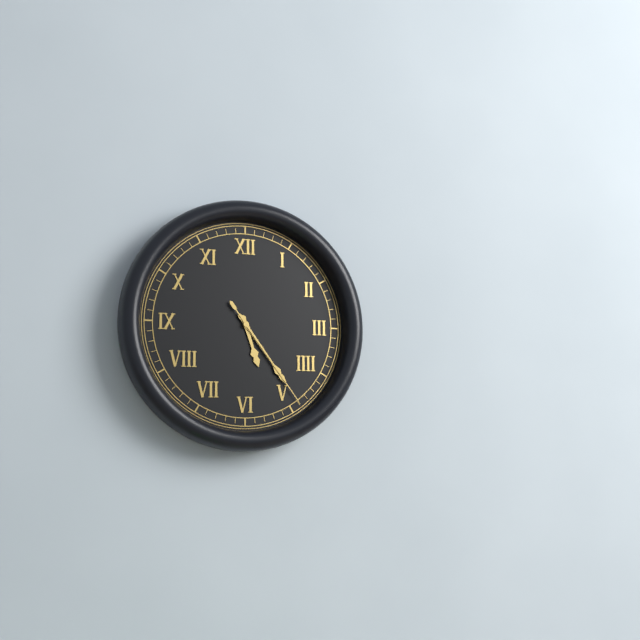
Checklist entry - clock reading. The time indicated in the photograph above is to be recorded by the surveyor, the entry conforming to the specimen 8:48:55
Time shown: 5:24:24
